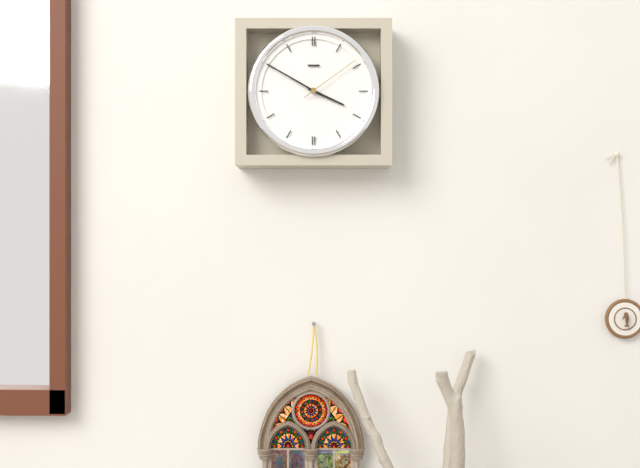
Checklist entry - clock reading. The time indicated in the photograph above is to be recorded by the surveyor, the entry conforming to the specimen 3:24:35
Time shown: 3:50:09
